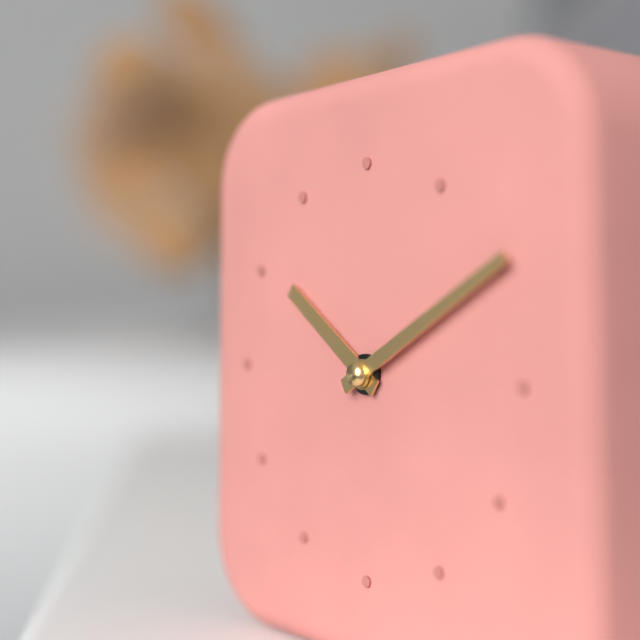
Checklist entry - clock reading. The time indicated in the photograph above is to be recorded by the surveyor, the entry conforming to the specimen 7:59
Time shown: 10:10
